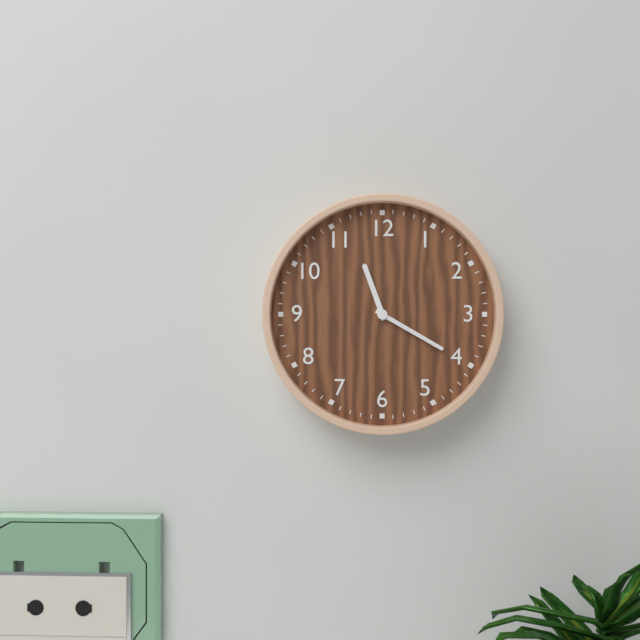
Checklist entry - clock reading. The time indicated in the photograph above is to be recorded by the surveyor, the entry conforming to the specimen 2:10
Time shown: 11:20
